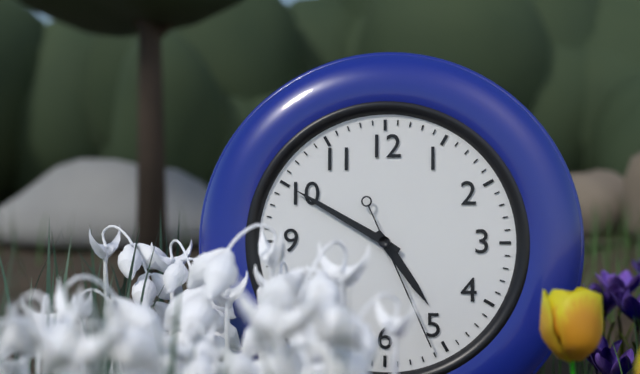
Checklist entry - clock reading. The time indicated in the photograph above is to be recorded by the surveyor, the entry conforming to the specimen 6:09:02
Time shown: 4:50:26
